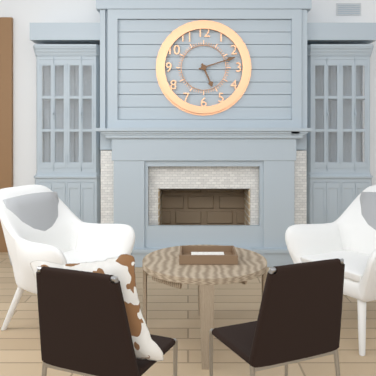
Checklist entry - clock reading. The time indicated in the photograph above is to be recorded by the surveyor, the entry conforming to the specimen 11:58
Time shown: 5:12
